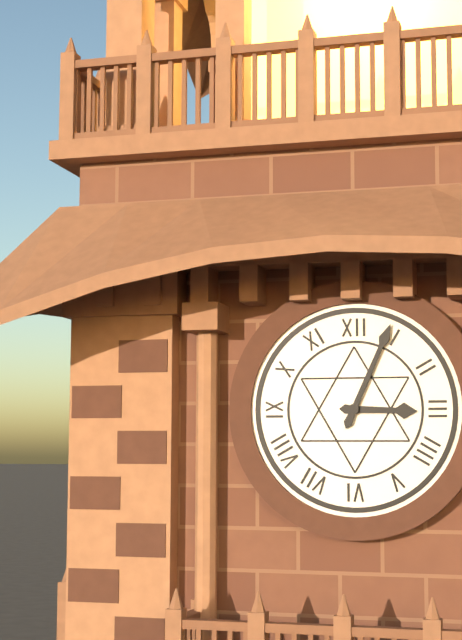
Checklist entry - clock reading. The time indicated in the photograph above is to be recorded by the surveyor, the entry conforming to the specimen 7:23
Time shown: 3:04
